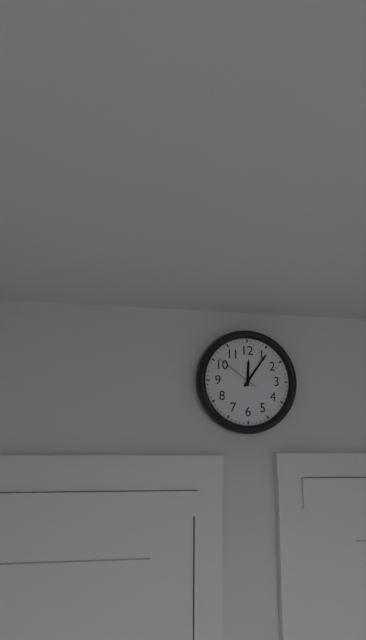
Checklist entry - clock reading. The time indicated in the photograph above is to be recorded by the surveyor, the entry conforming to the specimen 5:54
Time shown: 12:06
